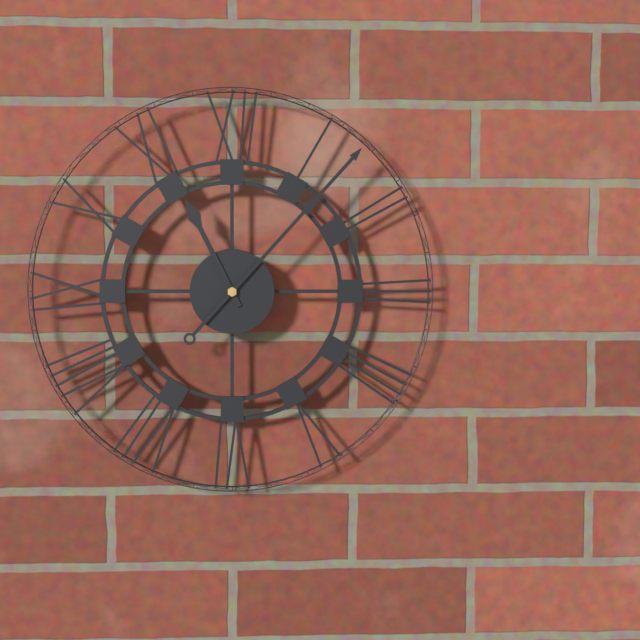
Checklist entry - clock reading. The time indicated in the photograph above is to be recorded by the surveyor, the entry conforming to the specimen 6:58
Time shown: 11:07
